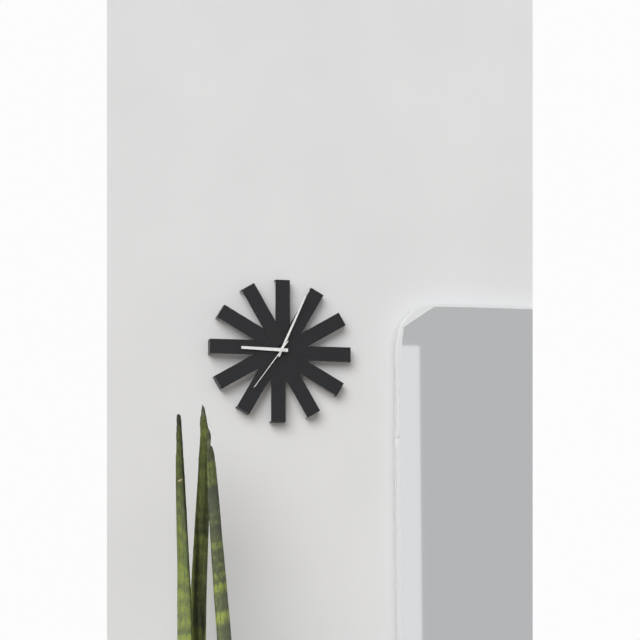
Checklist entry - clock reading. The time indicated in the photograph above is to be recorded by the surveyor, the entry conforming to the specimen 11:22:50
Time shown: 9:04:36
